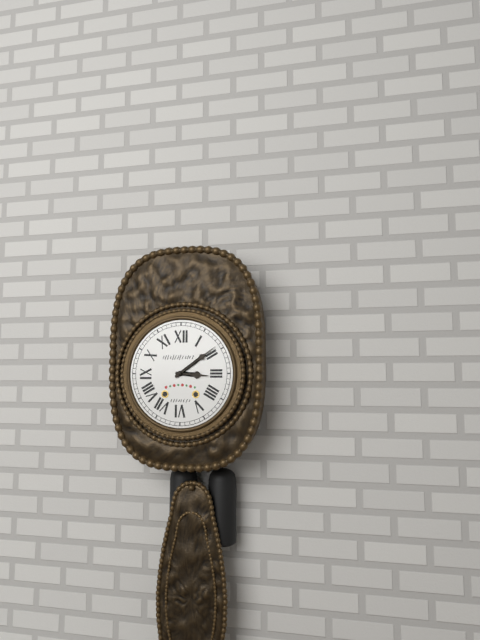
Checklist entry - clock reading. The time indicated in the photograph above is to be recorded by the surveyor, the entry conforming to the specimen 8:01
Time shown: 3:09
